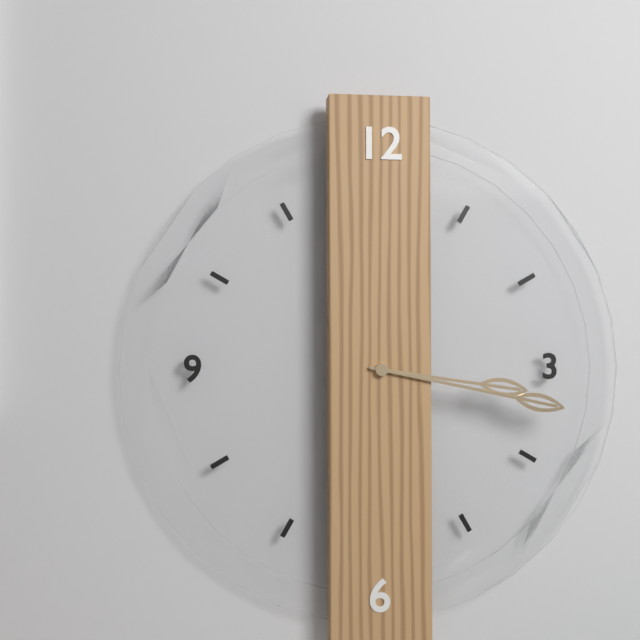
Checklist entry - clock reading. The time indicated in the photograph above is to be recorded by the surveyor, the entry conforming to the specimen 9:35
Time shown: 3:17
